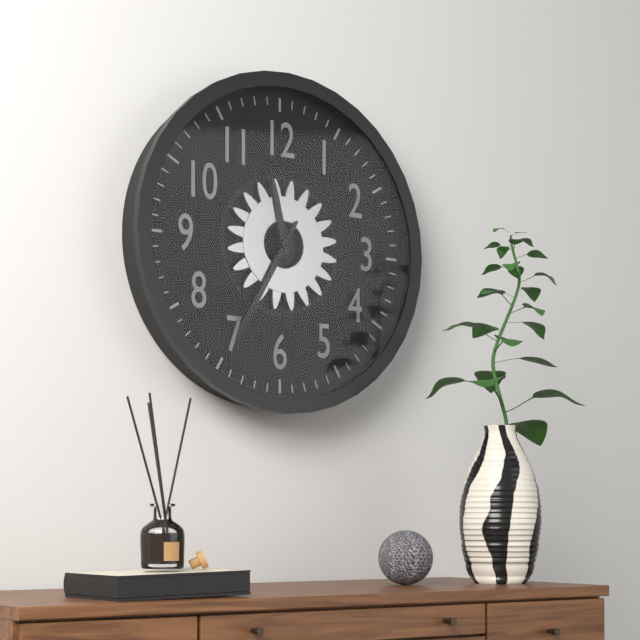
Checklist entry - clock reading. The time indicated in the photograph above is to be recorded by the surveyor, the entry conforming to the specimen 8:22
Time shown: 11:35
